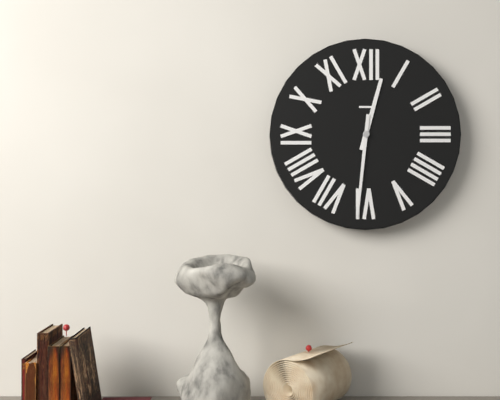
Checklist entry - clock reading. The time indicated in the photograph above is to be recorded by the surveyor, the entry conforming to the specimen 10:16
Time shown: 12:31
